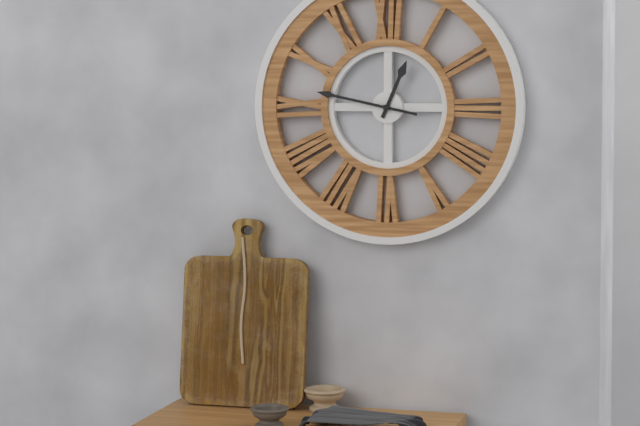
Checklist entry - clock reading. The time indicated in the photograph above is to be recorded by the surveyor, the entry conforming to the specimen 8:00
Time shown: 12:47
